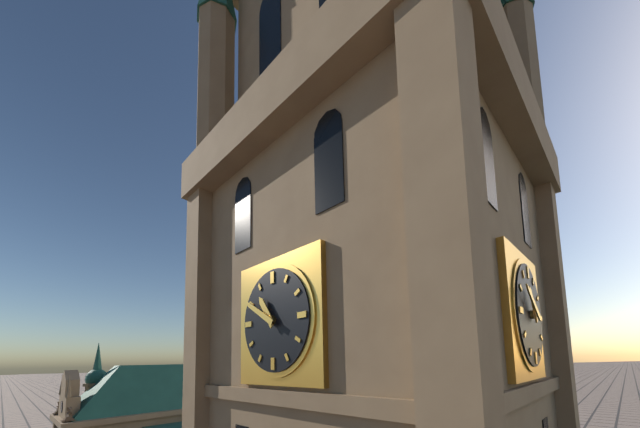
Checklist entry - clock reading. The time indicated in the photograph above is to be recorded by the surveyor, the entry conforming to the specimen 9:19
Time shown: 10:50
